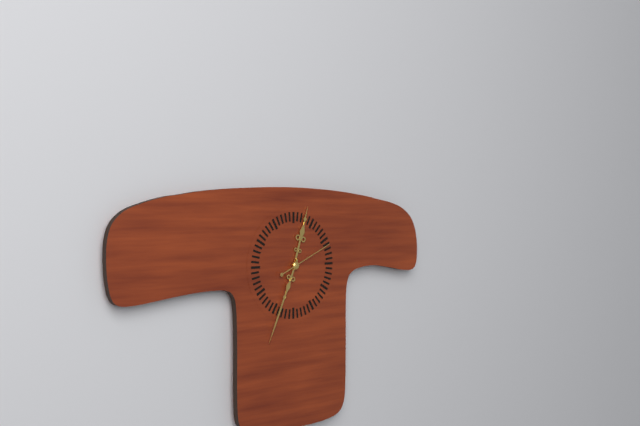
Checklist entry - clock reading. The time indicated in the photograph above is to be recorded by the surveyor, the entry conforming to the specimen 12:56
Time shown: 12:34
